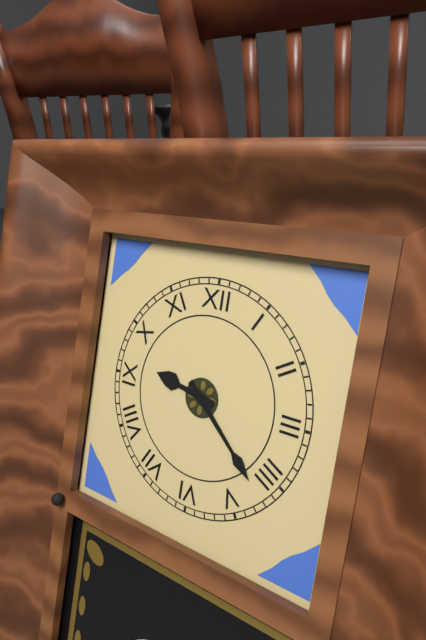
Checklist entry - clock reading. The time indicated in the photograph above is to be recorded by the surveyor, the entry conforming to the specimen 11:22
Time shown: 9:22
